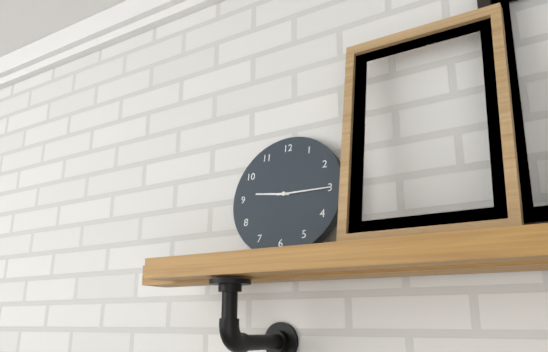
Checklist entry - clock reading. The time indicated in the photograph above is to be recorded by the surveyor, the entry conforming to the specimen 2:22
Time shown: 9:15
